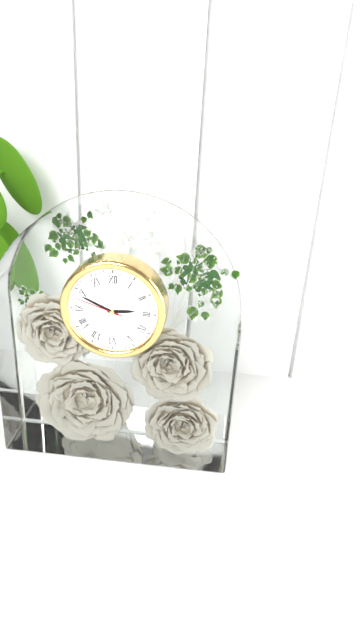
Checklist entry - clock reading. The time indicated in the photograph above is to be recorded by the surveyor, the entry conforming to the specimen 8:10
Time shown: 2:49
